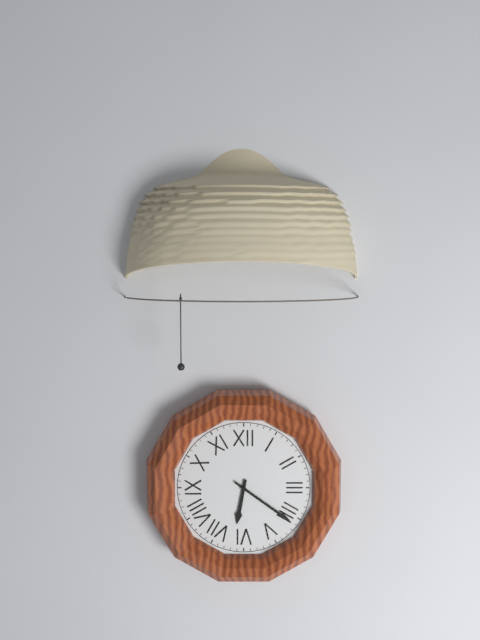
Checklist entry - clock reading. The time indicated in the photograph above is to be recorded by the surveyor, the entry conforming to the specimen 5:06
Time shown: 6:21
